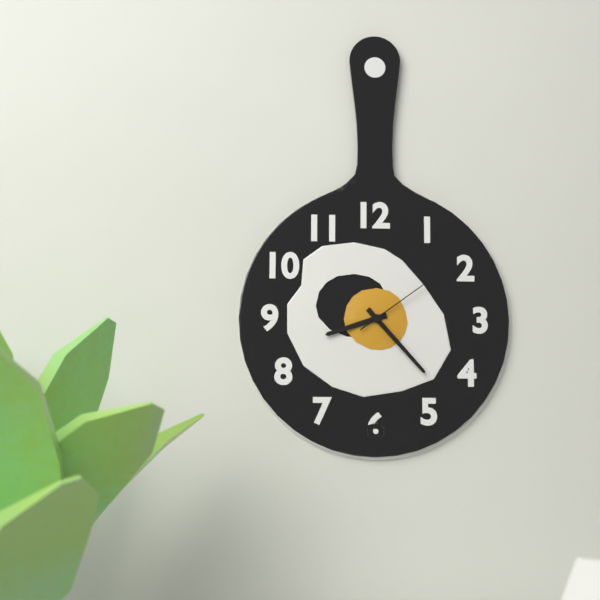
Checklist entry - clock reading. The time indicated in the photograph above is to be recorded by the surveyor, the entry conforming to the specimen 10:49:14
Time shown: 8:23:09
